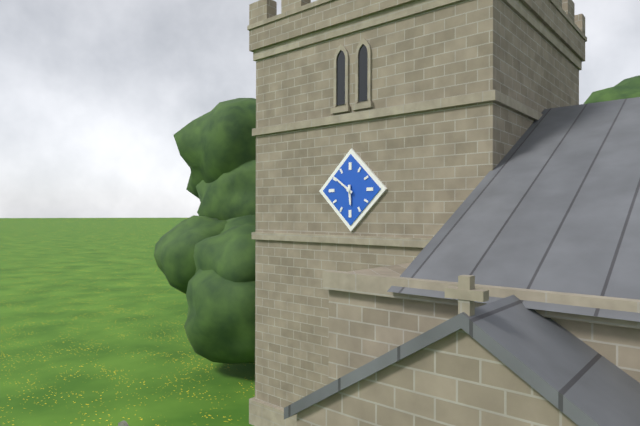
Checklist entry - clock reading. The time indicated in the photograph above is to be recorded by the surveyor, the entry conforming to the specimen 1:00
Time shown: 5:51
